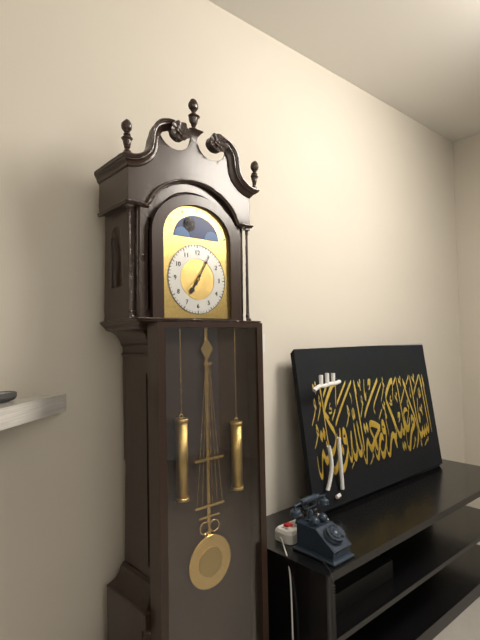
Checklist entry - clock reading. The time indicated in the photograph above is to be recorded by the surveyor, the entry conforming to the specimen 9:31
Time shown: 7:05
